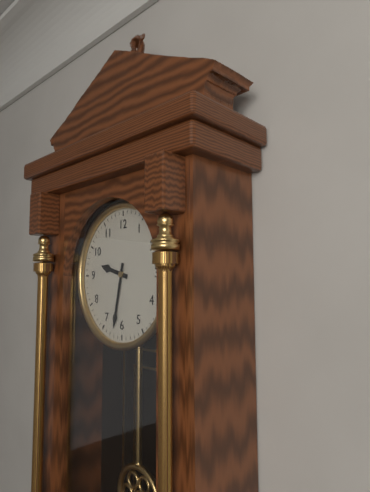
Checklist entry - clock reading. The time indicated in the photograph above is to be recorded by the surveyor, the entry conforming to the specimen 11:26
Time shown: 9:32
